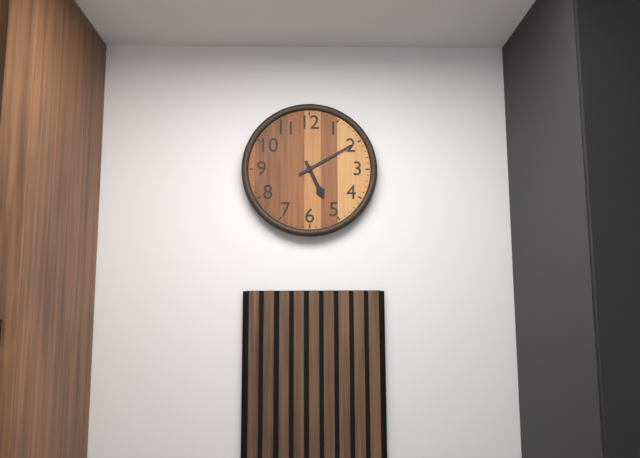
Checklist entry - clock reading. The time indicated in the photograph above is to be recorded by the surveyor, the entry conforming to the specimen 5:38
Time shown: 5:10
